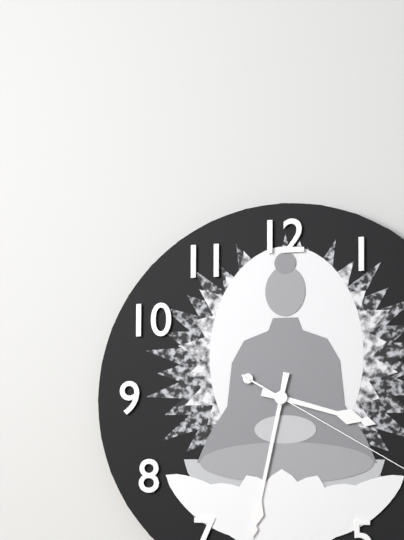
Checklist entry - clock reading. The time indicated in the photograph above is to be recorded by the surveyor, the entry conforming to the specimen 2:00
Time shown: 3:32
